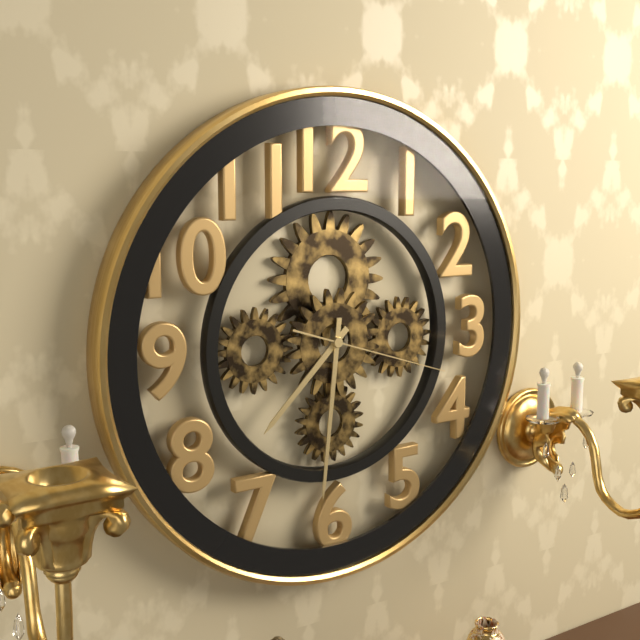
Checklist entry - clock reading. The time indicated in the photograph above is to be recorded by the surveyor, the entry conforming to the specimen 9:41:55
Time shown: 7:31:18
